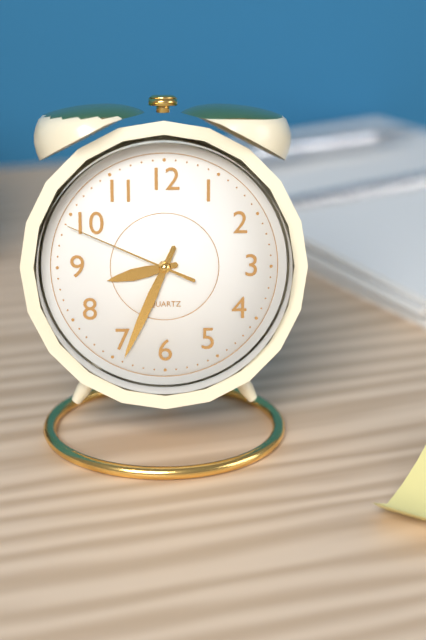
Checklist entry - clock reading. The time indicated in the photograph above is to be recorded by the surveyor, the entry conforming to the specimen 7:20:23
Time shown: 8:34:49
